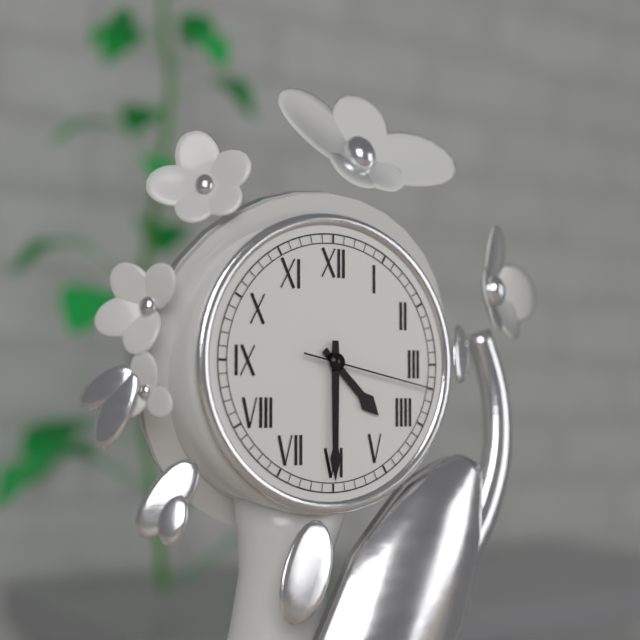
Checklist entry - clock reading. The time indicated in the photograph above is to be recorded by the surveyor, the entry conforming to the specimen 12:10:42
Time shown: 4:30:17
